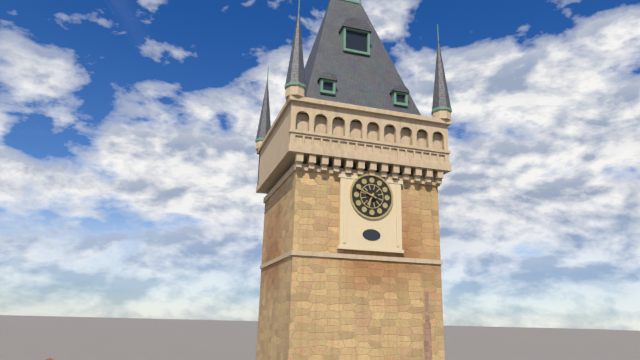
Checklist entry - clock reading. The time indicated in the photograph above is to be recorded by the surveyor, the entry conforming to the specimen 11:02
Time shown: 6:49
